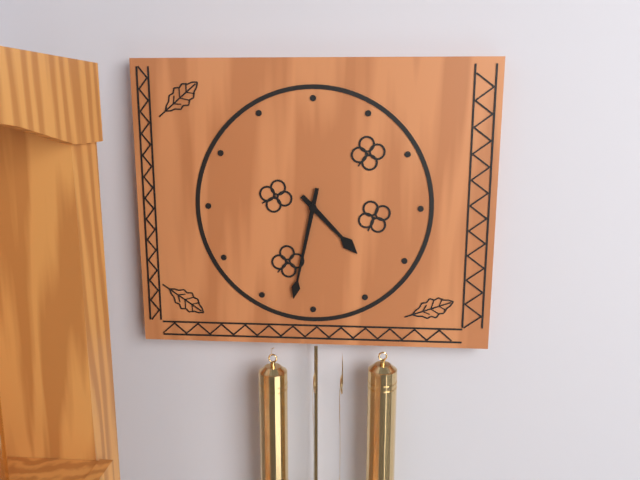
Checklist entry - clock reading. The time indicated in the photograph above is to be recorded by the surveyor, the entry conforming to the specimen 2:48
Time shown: 4:32
